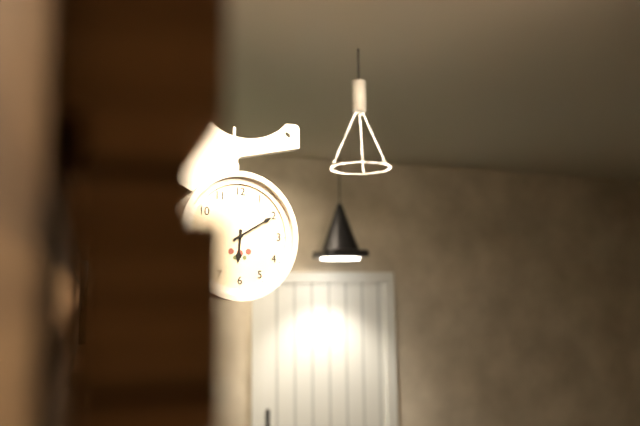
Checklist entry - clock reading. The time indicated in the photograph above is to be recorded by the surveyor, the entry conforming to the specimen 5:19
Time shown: 6:10
